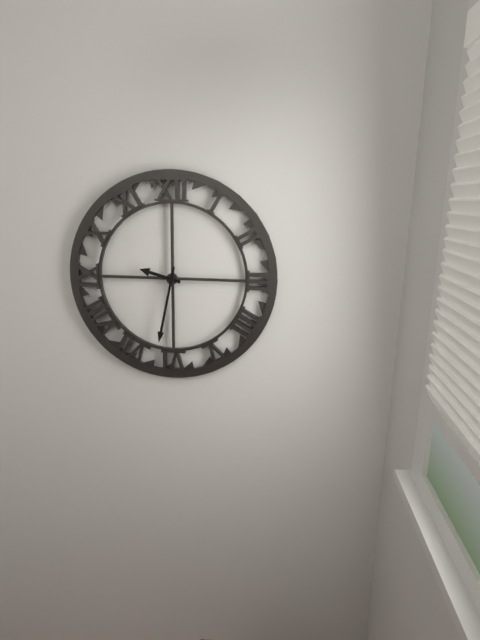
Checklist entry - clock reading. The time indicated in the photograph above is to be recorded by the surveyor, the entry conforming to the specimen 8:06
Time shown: 9:32
